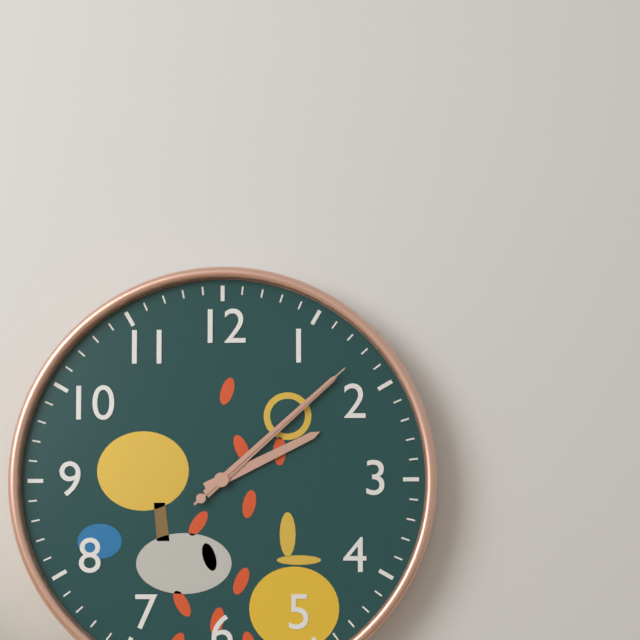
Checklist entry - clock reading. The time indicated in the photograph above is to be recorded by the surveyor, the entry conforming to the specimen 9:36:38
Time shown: 2:08:08
